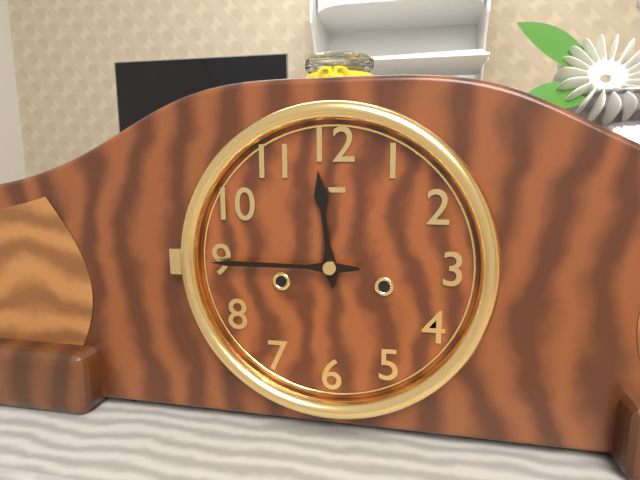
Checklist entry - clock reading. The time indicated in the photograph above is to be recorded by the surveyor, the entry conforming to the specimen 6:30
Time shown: 11:45
